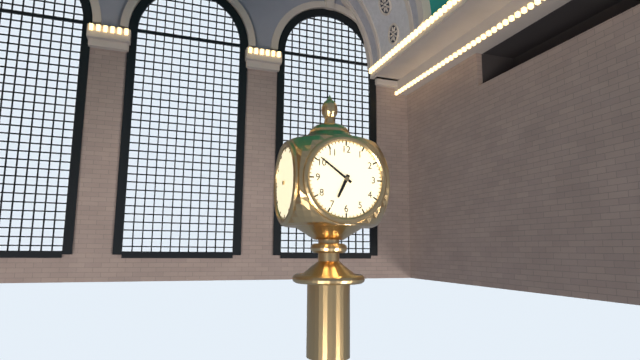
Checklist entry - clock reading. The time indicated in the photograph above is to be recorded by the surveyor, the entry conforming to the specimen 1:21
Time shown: 6:51
